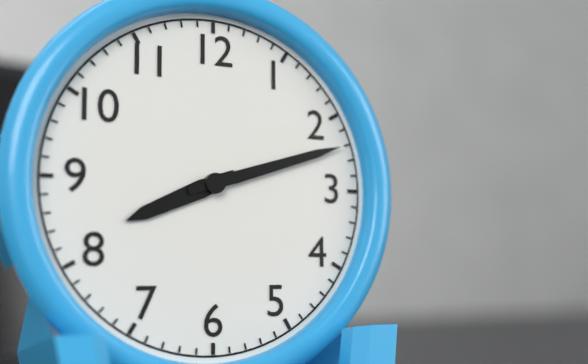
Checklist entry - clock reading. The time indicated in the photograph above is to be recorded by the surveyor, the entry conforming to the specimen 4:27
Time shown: 8:12
